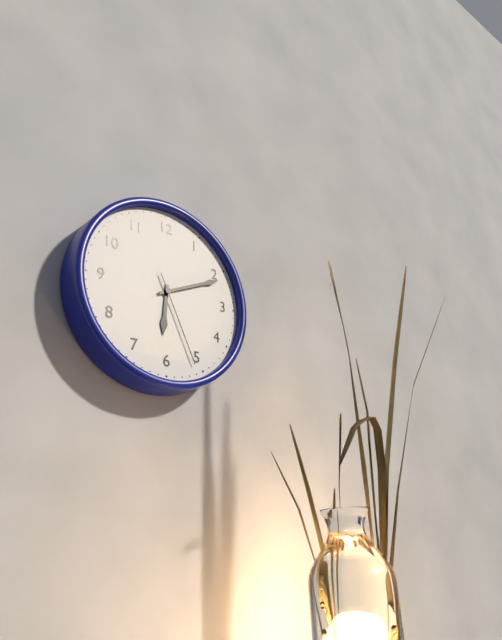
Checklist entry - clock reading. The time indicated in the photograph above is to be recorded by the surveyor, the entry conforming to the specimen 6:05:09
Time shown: 6:11:26
